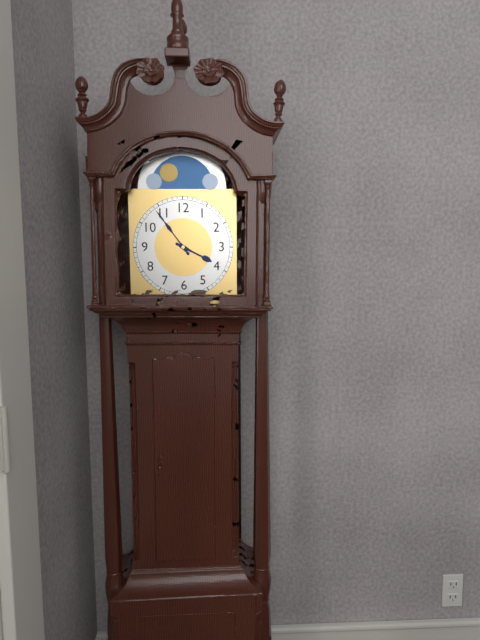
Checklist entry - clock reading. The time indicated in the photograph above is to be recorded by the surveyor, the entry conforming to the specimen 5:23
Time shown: 3:54
